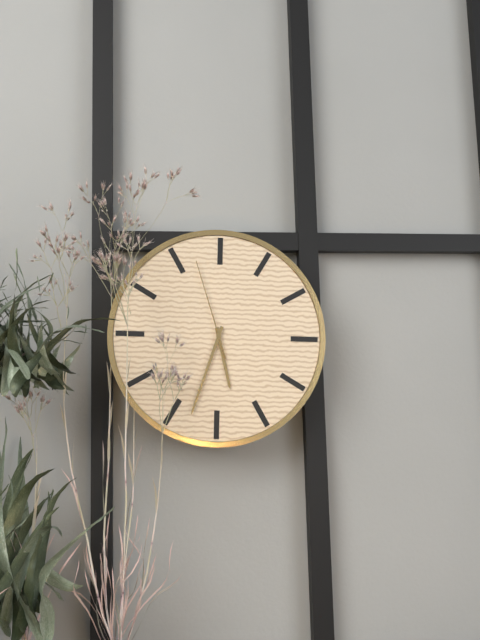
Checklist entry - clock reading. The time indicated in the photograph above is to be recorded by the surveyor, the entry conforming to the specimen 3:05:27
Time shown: 5:33:57
